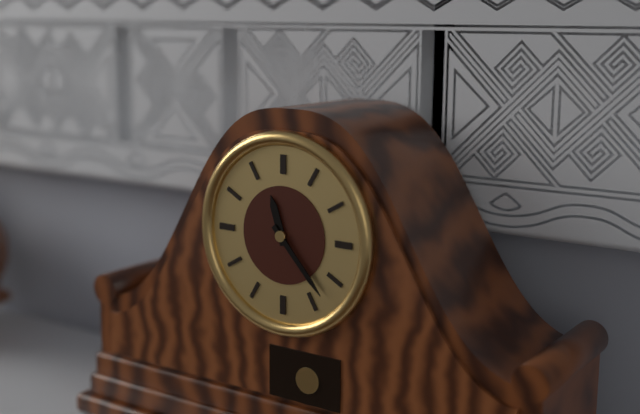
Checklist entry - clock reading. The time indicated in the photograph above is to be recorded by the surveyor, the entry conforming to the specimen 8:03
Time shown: 11:23
